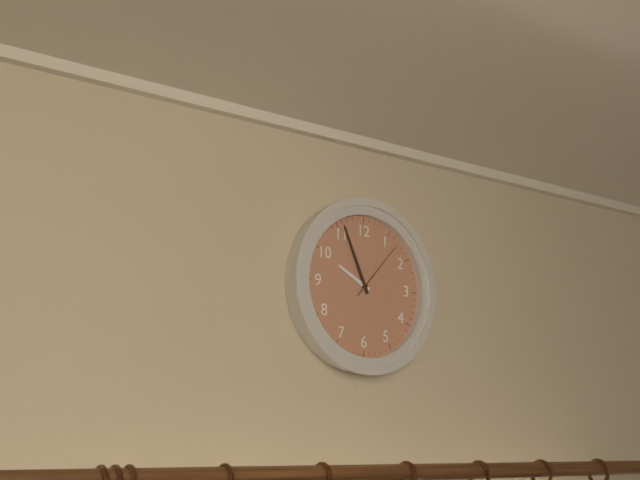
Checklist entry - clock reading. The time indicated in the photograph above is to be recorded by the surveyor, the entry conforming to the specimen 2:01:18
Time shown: 9:56:07
